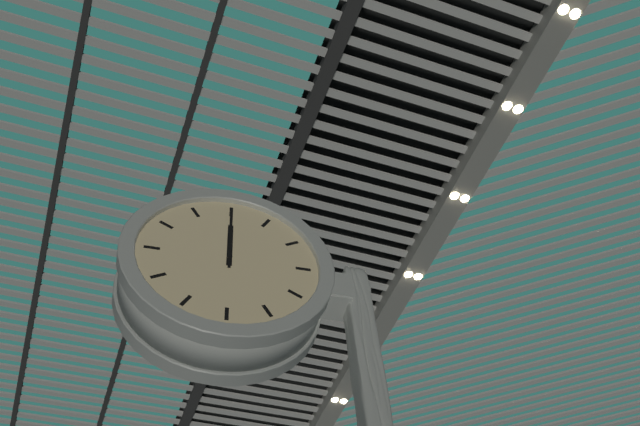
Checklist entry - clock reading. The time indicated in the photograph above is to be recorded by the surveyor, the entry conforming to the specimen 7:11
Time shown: 12:00
